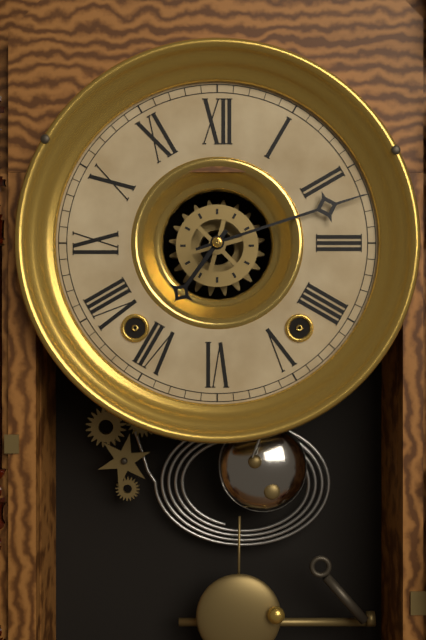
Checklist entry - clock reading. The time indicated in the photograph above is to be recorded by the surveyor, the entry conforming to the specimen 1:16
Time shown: 7:12
